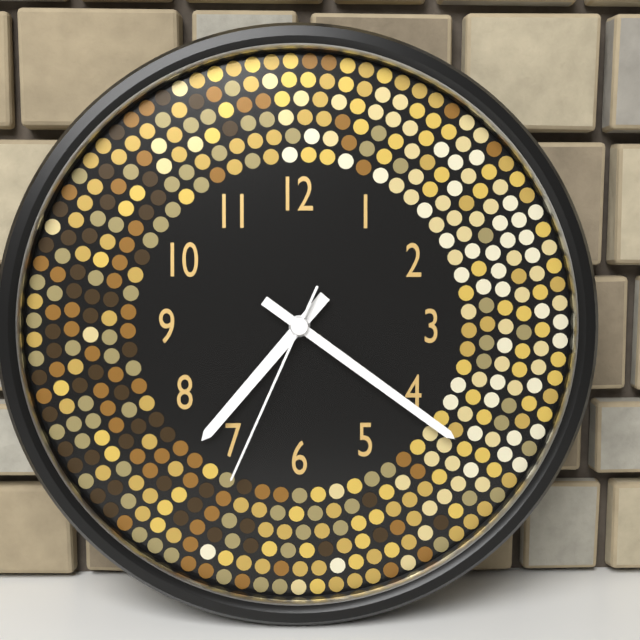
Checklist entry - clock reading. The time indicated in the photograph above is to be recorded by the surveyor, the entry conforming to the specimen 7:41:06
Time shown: 7:21:34
